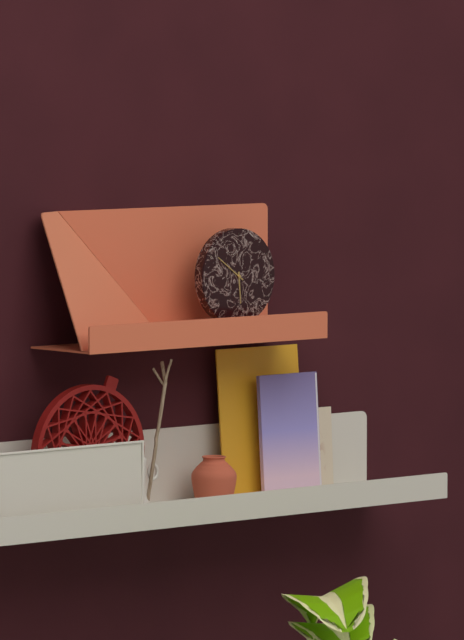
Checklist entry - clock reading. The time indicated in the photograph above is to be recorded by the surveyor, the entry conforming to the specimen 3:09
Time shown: 5:51
